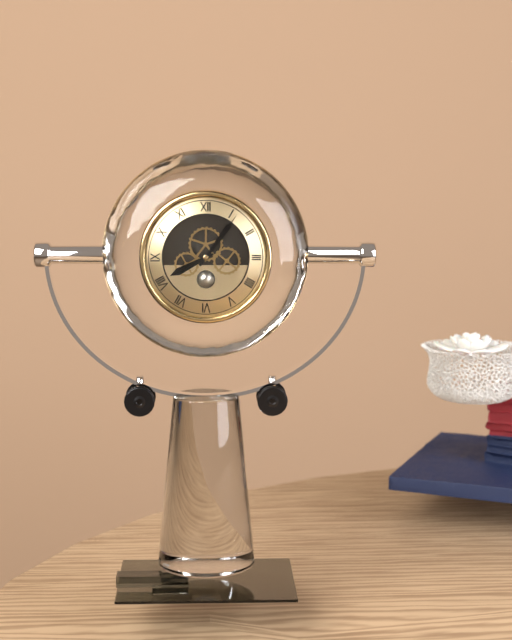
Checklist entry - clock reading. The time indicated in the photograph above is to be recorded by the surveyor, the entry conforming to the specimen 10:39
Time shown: 8:06
